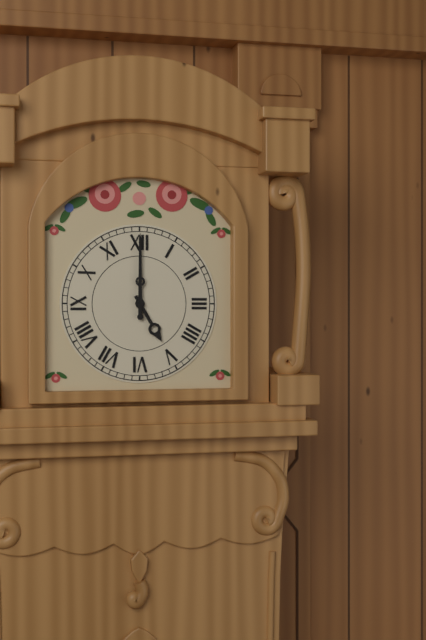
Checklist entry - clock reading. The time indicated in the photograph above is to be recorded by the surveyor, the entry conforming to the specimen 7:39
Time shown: 5:00
